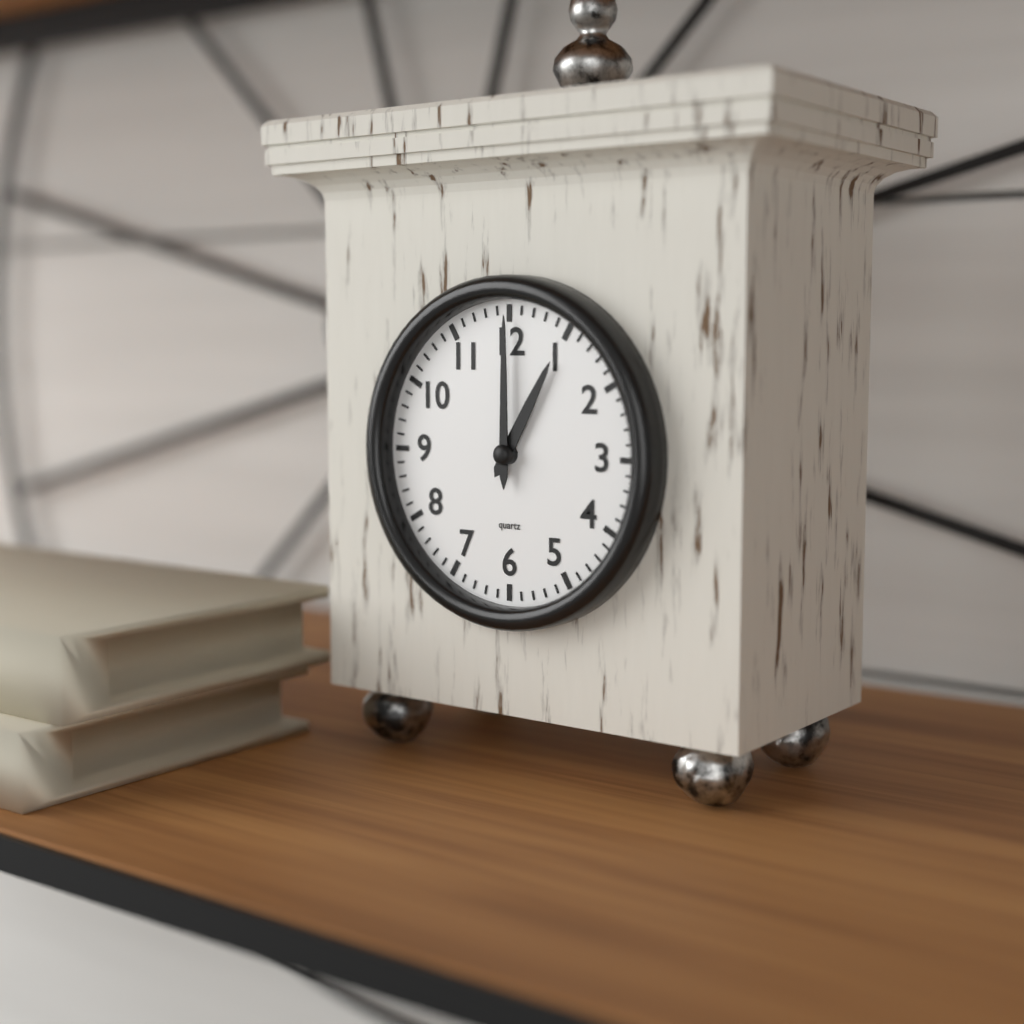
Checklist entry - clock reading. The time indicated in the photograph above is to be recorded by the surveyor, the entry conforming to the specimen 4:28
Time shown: 1:00
